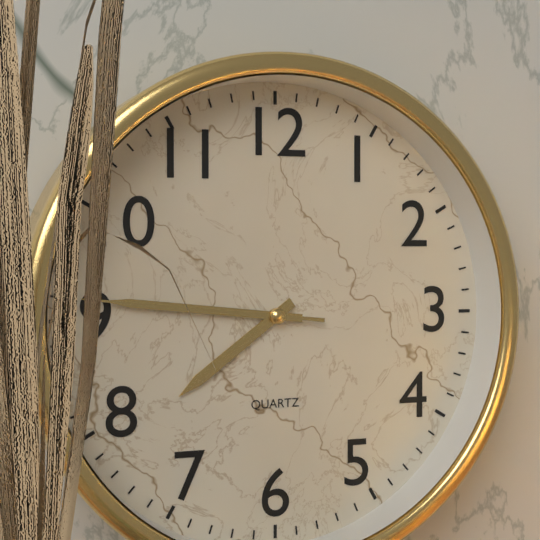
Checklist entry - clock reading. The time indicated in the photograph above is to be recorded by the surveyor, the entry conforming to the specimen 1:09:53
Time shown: 7:46:46
